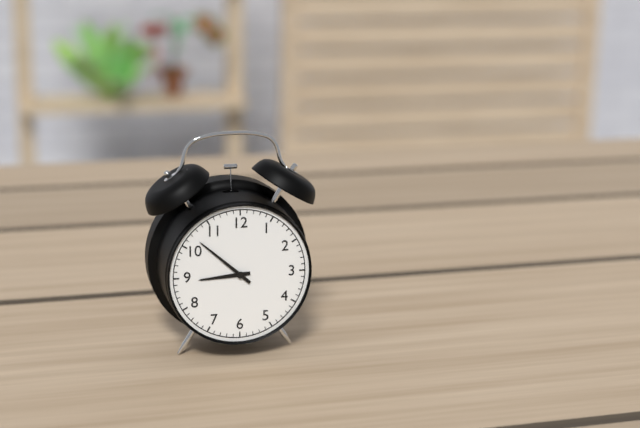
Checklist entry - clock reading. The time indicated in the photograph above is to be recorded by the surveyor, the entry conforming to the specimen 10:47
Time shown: 8:52
